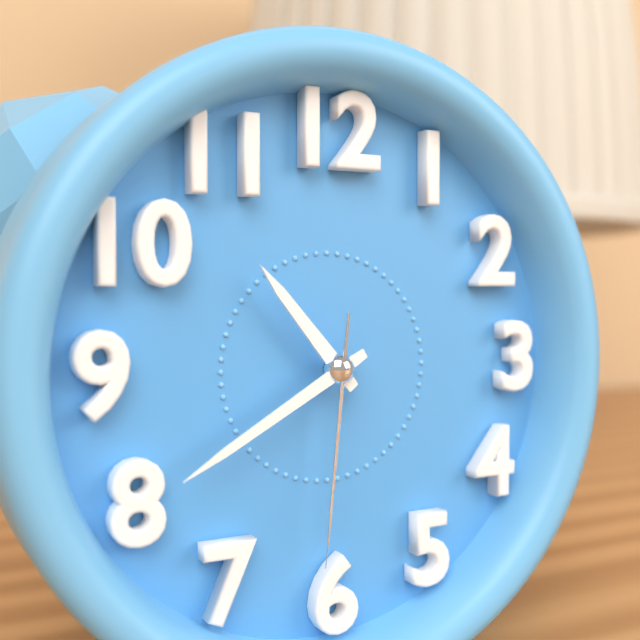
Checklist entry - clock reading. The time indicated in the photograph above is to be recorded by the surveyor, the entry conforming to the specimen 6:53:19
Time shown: 10:40:31
